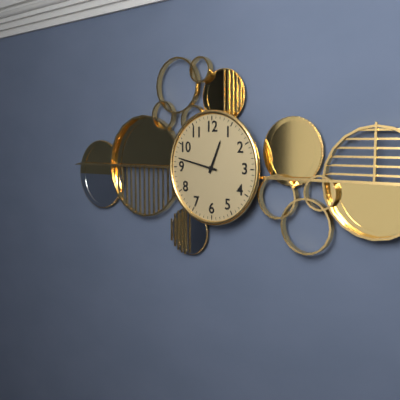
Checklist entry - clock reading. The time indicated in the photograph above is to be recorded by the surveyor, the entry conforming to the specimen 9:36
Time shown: 12:47
